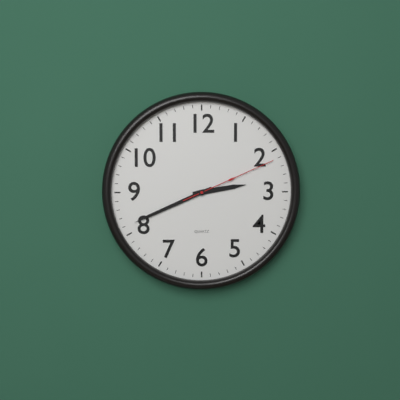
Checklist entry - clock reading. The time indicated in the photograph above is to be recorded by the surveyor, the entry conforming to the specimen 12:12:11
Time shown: 2:41:11
